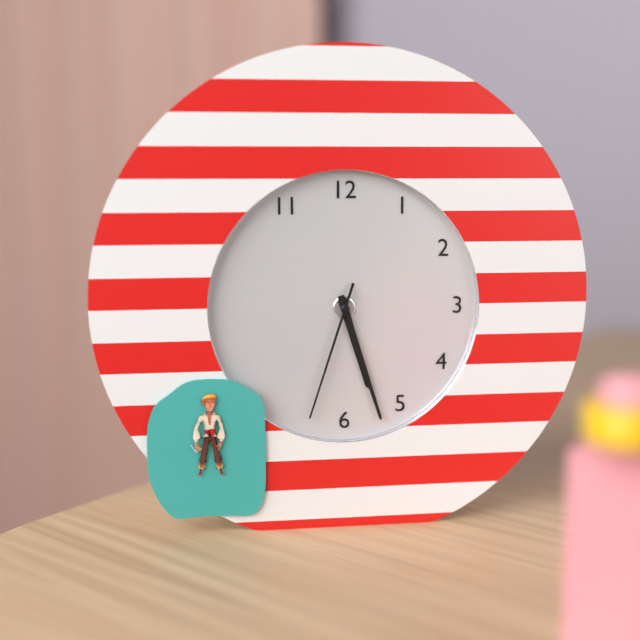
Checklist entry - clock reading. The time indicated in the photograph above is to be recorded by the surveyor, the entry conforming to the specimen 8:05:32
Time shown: 5:27:33
